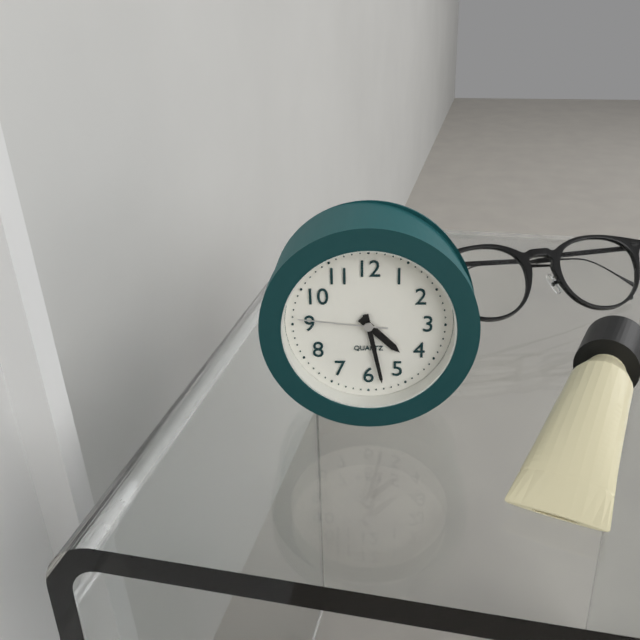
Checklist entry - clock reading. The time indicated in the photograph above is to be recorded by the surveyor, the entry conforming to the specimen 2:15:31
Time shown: 4:28:46
